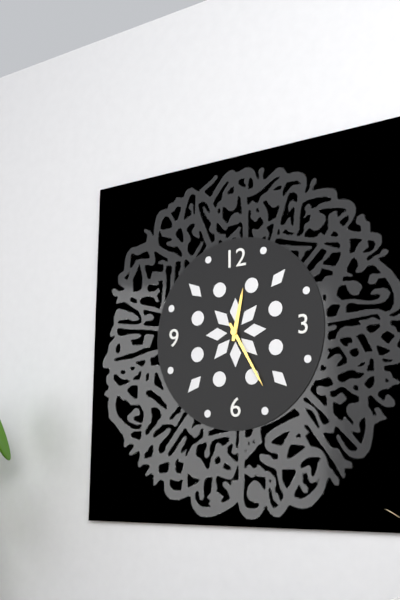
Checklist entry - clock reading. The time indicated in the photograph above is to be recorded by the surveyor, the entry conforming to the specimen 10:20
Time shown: 12:25
